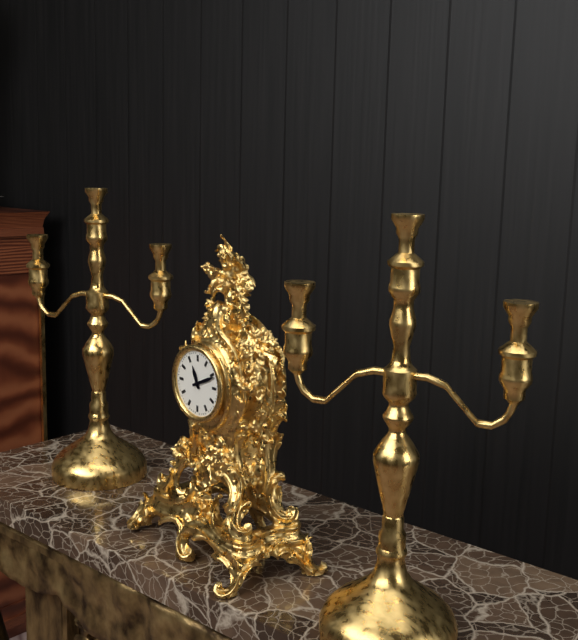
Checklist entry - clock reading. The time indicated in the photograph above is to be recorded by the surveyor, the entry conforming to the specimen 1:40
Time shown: 11:11
